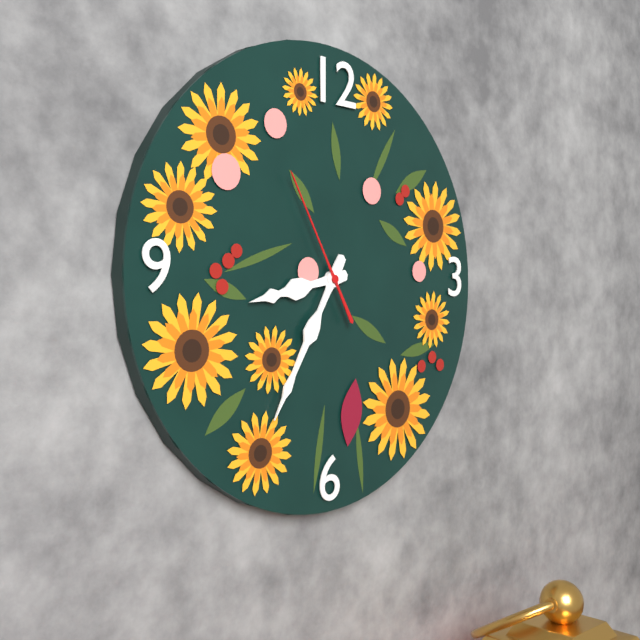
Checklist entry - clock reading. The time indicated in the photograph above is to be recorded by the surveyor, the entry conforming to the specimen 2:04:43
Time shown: 8:35:55
